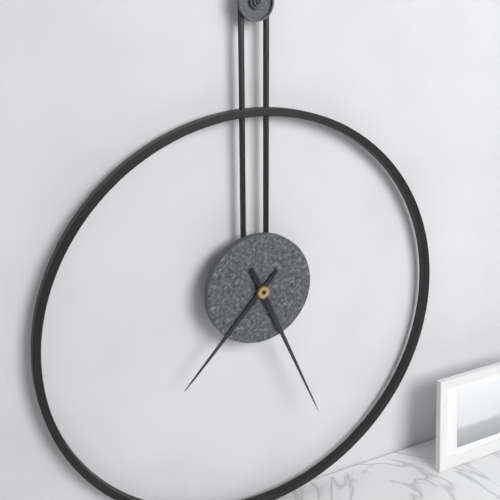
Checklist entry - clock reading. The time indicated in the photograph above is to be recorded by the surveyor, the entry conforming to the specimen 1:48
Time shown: 7:26
